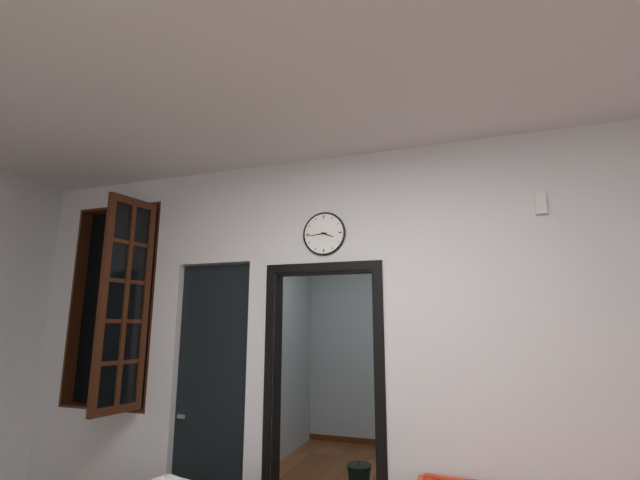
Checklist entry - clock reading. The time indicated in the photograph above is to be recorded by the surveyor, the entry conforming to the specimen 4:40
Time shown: 3:44
